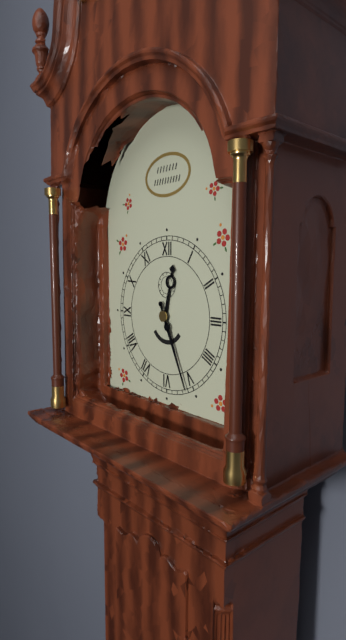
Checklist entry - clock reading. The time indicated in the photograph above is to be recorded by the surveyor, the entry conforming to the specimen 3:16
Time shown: 12:26
